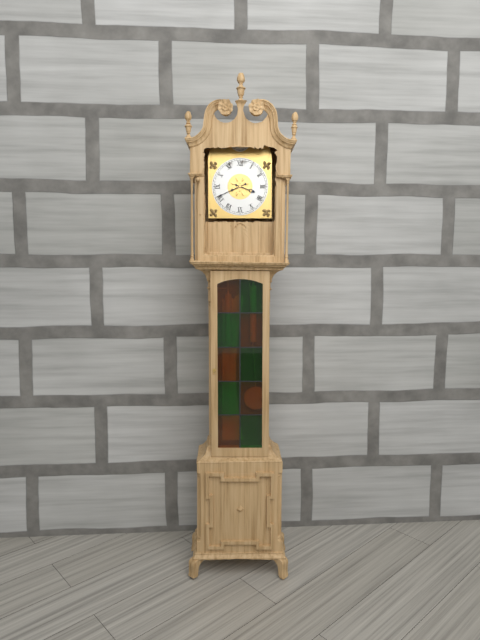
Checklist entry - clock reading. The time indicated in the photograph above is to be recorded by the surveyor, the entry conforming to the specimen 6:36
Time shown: 3:41
